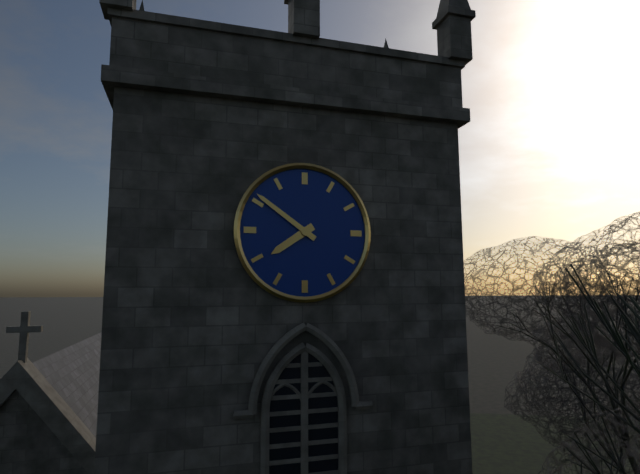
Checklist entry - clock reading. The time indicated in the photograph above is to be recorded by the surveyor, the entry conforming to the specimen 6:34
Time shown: 7:51
